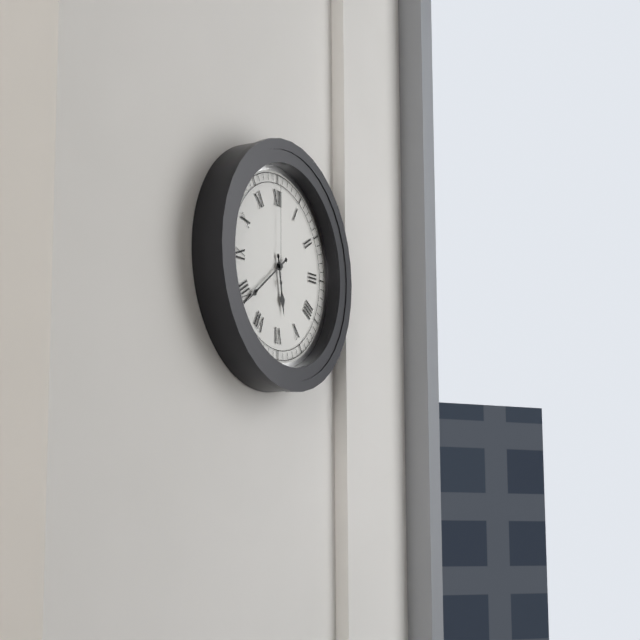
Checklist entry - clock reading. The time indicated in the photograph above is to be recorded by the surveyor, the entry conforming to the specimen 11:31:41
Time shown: 5:39:00
